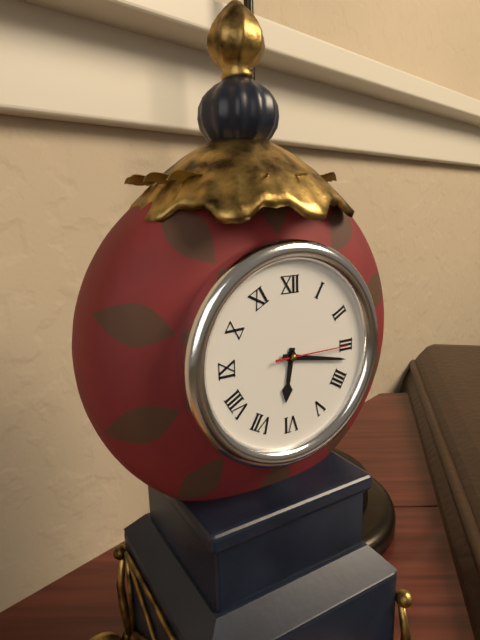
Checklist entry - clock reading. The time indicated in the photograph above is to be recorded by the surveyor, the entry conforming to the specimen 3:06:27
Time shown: 6:17:15
